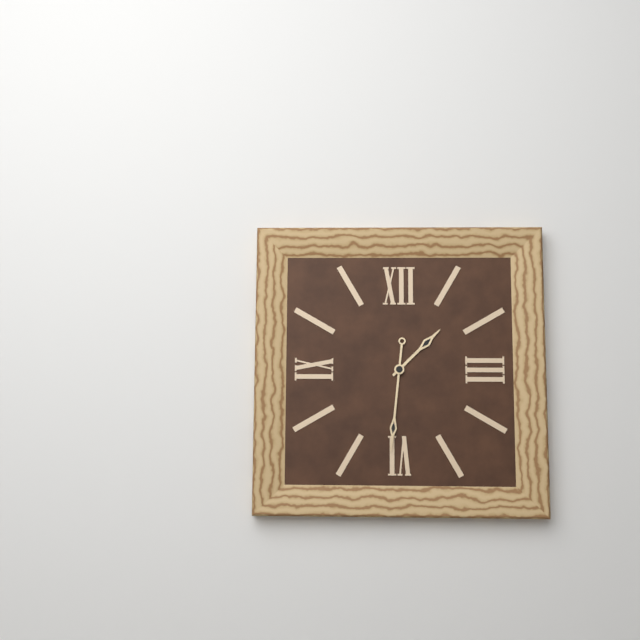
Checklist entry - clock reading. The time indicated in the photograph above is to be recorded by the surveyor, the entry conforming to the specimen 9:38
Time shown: 1:31
